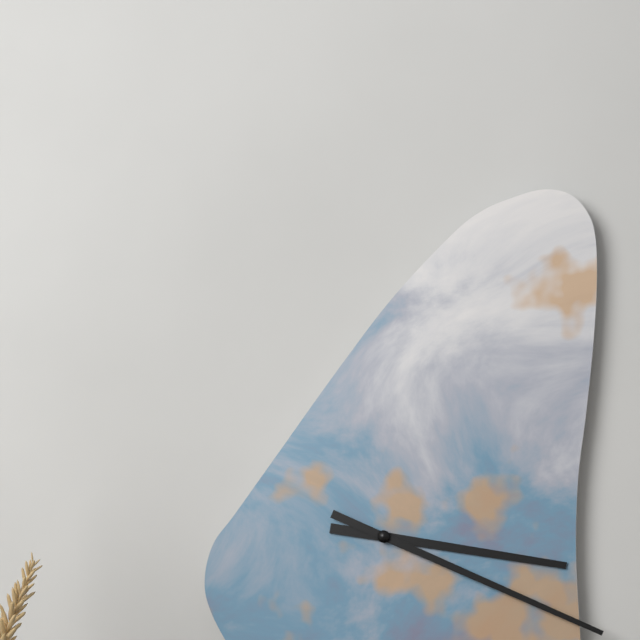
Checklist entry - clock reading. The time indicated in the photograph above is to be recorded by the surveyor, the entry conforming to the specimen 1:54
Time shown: 3:19
